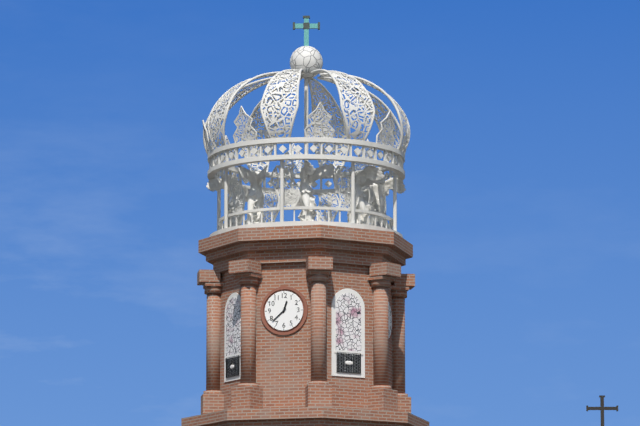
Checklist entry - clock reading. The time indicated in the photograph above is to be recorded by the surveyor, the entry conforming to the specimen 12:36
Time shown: 12:38
